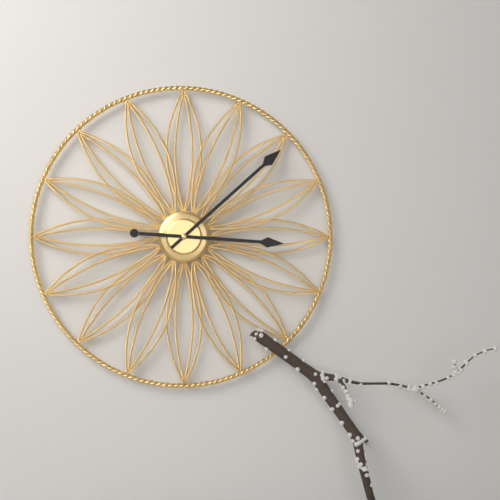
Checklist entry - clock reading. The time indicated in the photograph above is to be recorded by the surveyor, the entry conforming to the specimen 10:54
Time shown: 3:08
